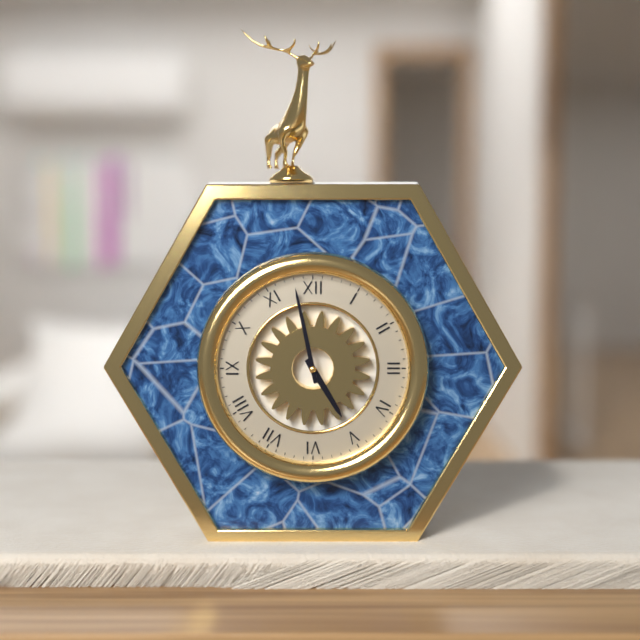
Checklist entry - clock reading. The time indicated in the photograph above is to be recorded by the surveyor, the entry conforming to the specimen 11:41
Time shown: 4:58
